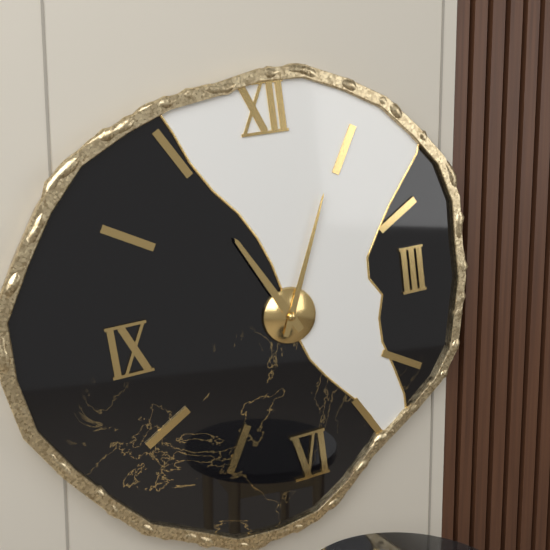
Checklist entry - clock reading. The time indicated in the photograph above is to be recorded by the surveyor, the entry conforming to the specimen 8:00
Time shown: 11:04
